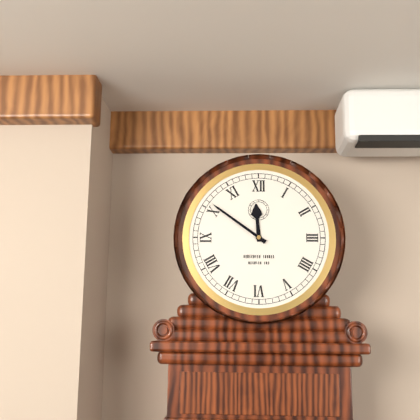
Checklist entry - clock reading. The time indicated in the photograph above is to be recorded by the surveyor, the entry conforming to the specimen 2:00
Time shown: 11:51
